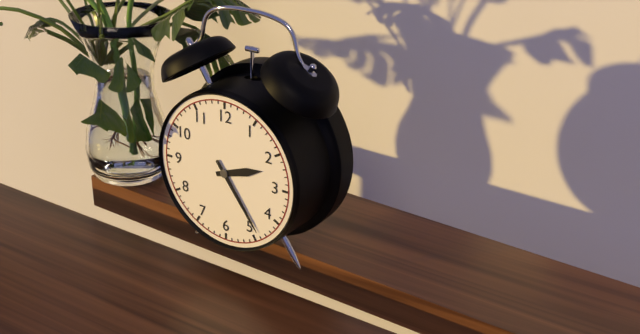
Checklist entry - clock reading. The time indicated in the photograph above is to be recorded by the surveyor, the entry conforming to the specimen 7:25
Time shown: 2:24
